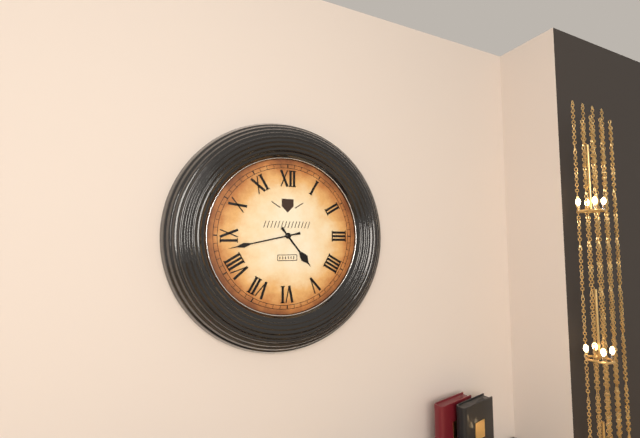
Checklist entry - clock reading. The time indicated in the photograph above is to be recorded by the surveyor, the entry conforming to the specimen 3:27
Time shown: 4:43
